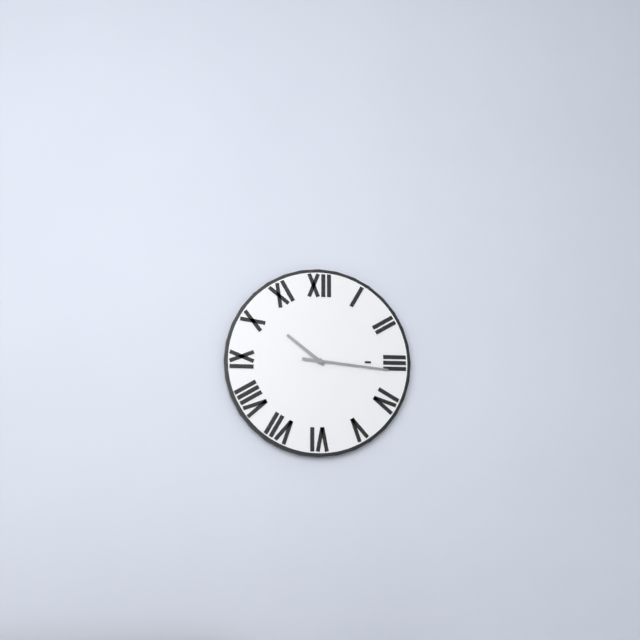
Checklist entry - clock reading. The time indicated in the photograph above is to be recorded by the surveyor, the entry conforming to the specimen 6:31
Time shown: 10:16
